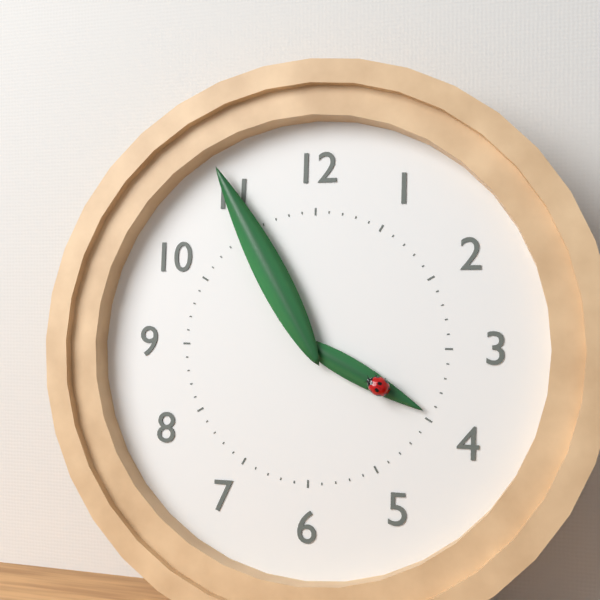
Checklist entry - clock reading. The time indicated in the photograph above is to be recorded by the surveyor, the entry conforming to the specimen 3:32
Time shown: 3:55
